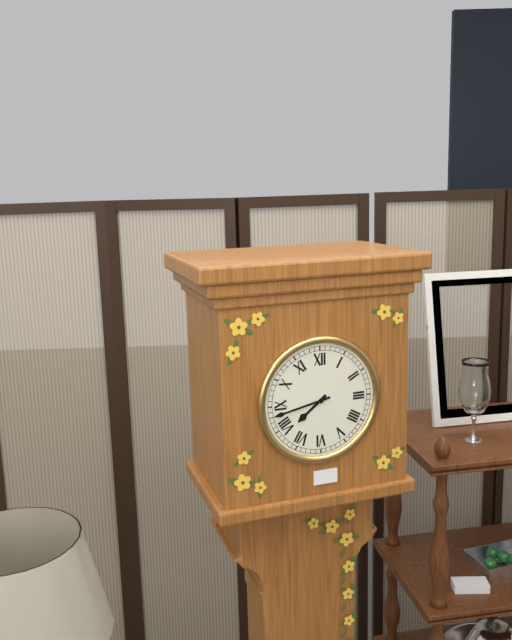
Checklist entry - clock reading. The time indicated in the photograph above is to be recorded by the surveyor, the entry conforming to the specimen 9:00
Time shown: 7:43
